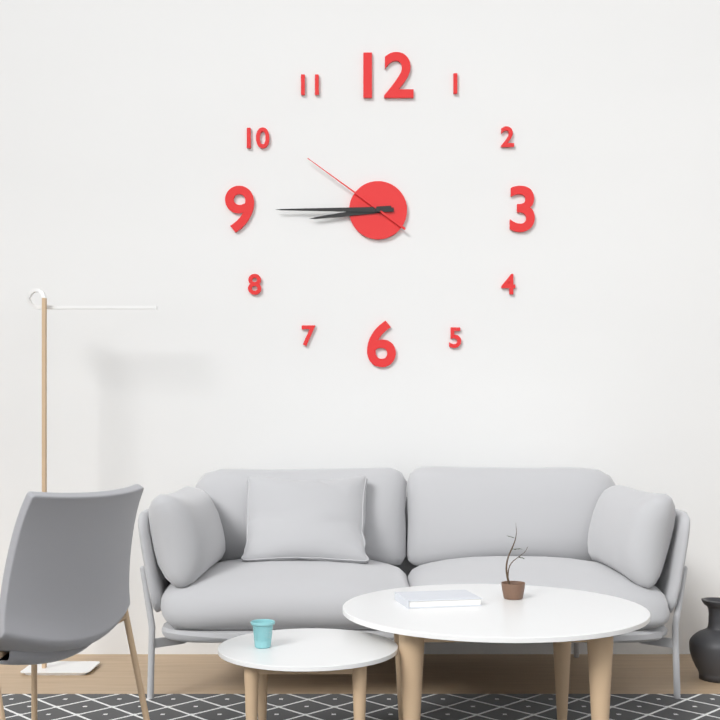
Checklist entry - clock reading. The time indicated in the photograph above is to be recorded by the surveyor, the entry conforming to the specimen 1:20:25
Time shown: 8:45:51
